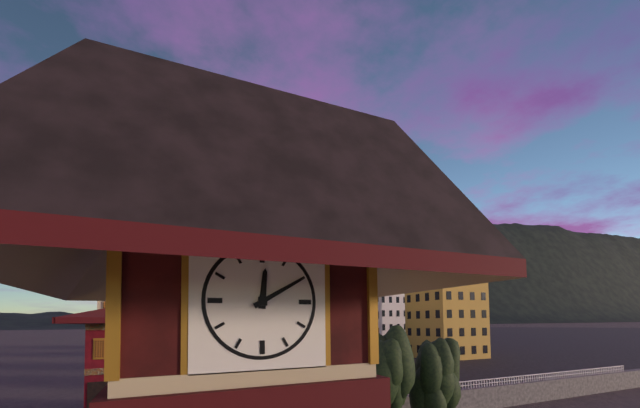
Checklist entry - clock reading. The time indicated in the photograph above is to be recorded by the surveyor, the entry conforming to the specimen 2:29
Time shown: 12:10
